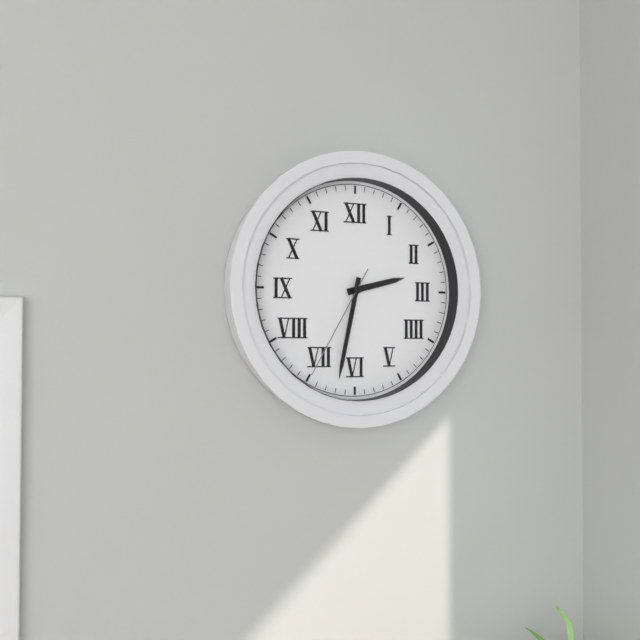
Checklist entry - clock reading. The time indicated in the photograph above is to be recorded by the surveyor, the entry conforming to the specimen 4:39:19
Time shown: 2:32:35
